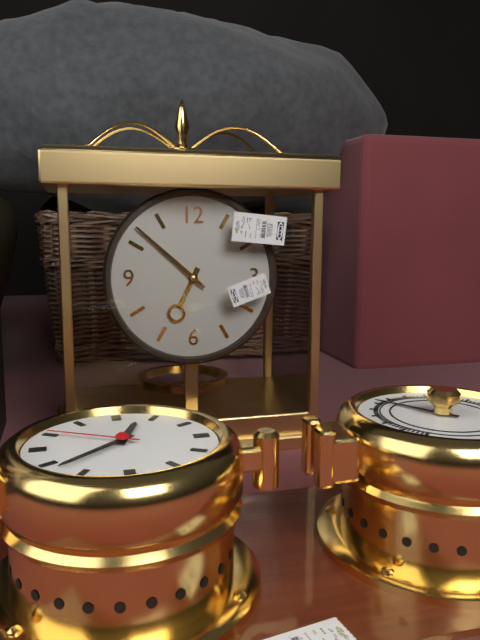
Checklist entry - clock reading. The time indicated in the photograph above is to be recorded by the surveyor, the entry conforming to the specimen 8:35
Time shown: 6:52
